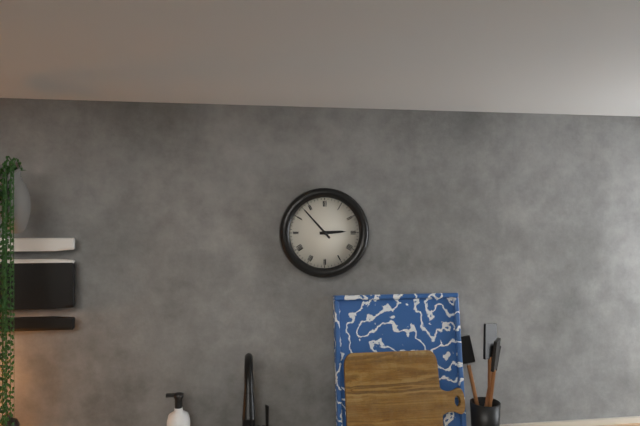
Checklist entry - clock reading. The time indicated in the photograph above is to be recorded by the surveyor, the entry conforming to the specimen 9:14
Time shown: 2:53
